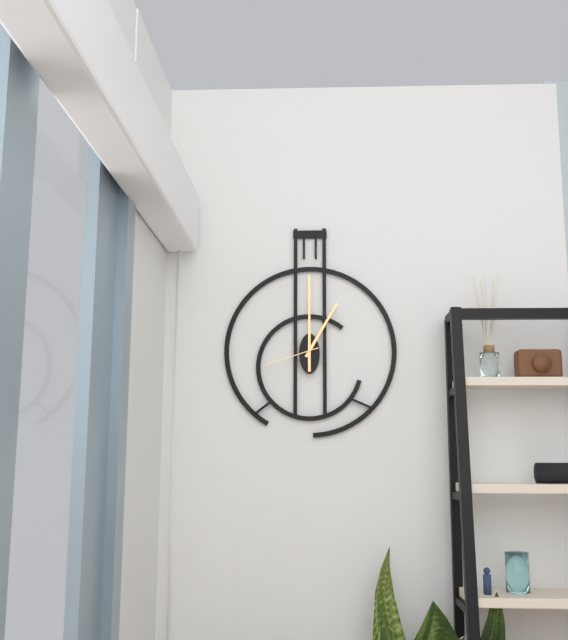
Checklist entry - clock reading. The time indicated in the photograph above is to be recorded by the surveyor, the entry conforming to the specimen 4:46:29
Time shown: 1:00:42
